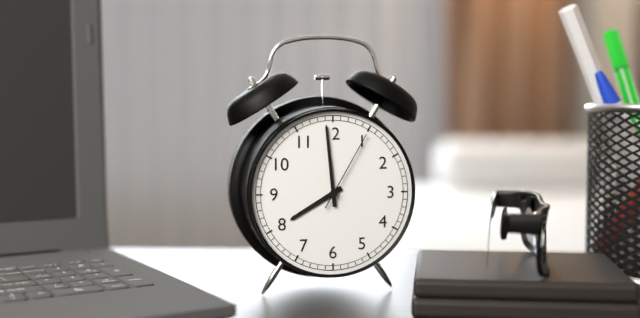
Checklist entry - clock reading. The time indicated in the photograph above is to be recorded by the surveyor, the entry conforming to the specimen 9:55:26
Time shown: 7:59:05
